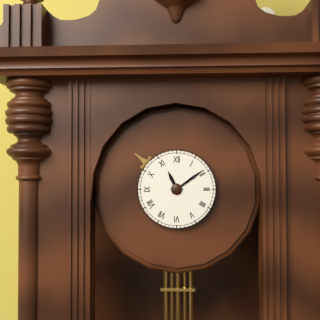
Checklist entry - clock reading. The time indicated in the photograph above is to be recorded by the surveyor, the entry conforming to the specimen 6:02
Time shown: 11:09
